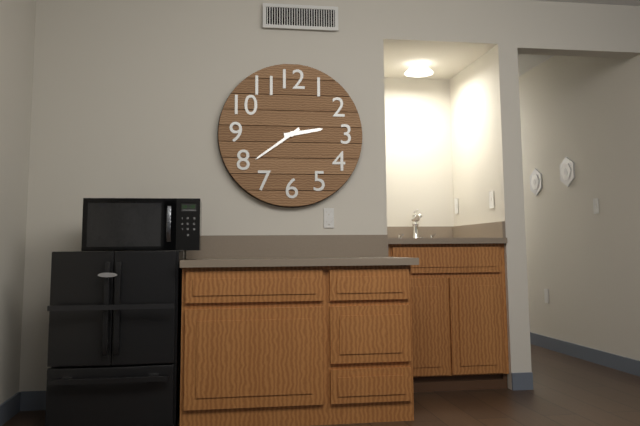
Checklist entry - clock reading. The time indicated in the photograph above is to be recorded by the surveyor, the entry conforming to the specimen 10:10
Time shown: 2:39
